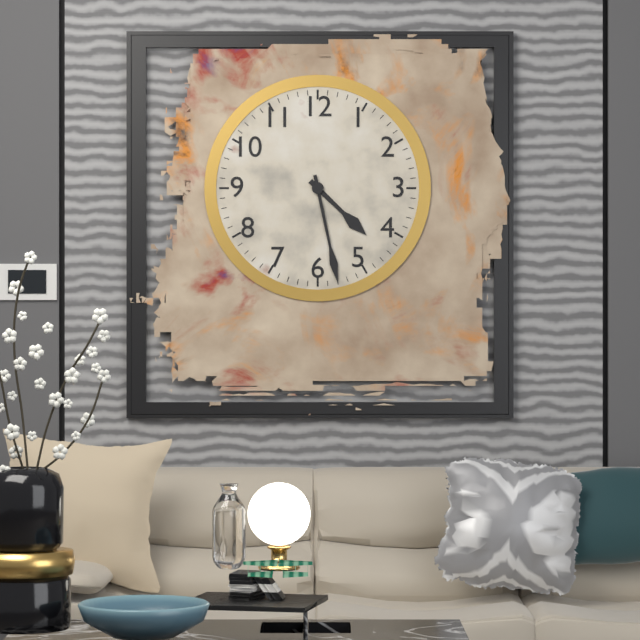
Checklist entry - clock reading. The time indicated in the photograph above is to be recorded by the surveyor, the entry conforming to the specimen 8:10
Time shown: 4:28
